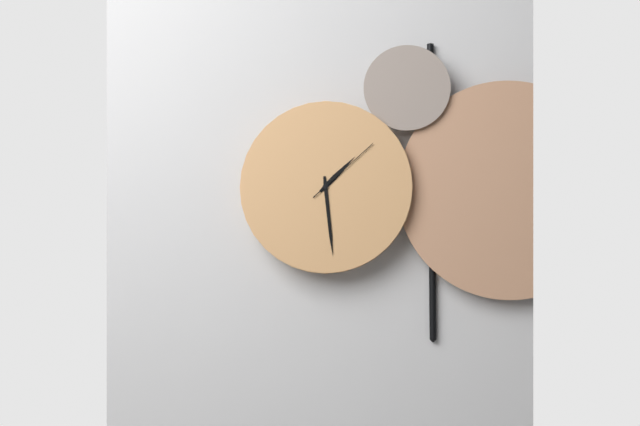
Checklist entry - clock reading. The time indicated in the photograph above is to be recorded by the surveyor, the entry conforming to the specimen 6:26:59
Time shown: 1:29:08
